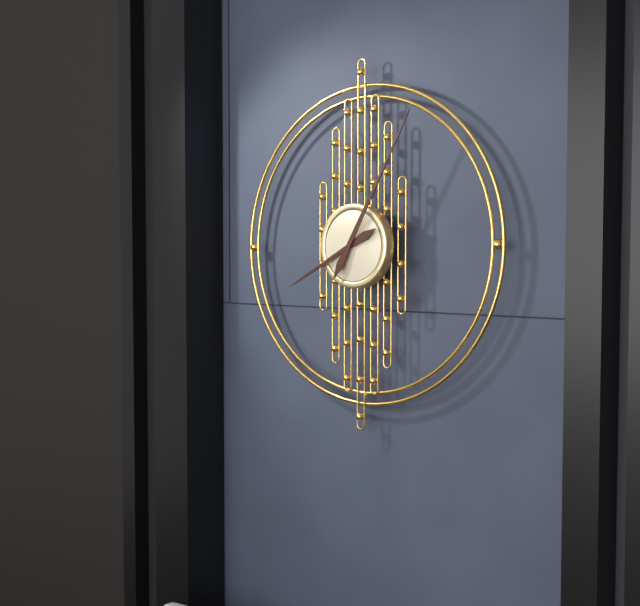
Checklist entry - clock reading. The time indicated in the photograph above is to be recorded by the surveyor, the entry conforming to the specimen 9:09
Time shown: 8:05
